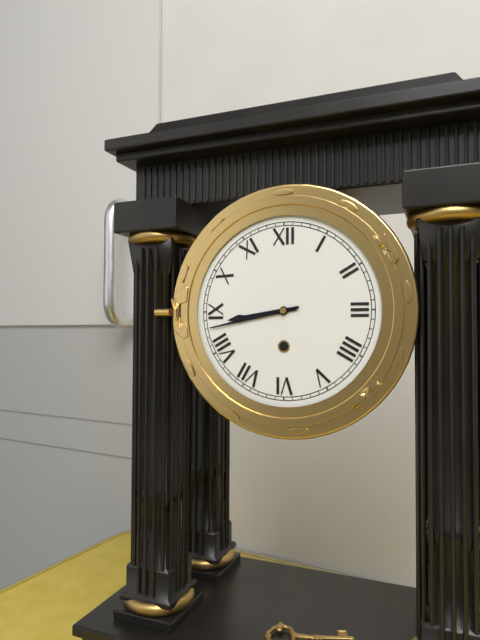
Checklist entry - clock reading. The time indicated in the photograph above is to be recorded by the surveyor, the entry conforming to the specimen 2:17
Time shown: 8:43
